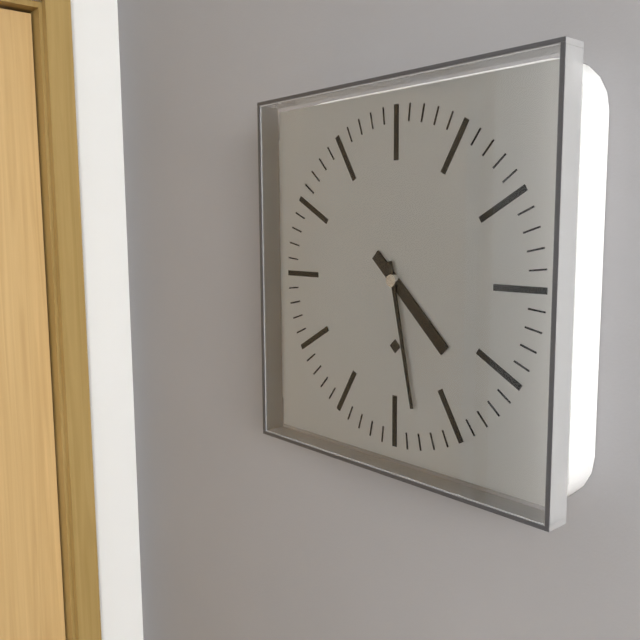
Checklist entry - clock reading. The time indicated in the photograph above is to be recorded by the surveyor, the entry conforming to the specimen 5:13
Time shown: 4:28
